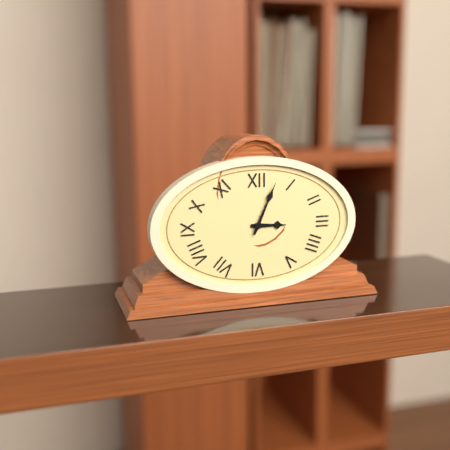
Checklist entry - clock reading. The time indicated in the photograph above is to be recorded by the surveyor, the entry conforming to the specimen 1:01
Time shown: 3:04
